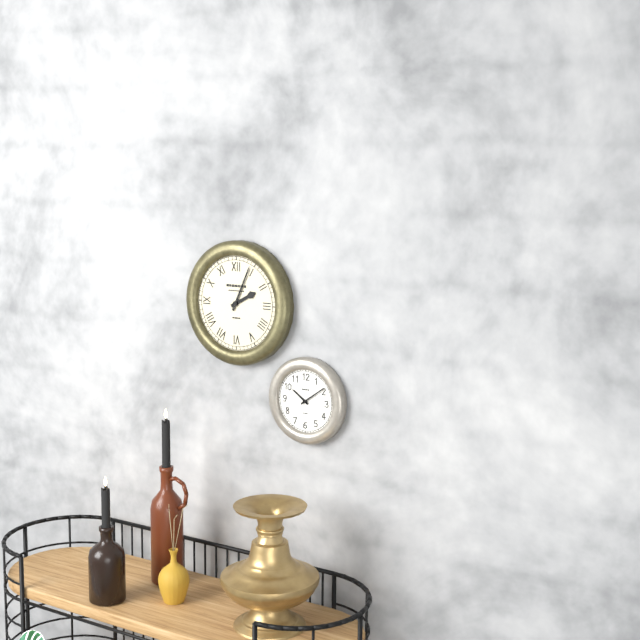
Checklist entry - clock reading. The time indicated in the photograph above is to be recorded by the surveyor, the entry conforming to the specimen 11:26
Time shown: 2:04
